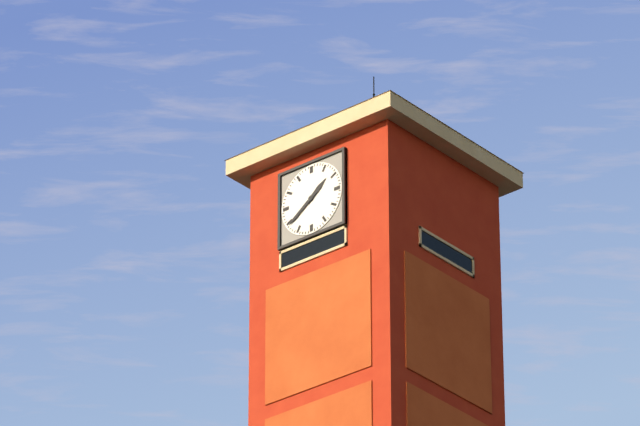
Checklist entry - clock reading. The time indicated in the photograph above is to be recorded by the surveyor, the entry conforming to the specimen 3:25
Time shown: 1:39
